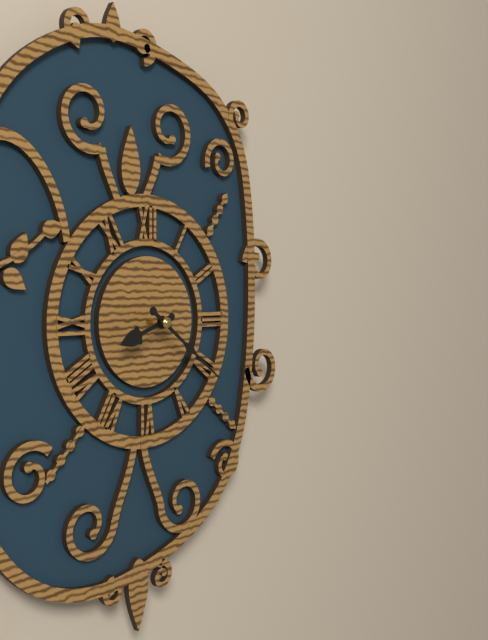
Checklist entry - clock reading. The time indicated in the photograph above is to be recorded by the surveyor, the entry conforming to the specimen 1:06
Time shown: 8:21
